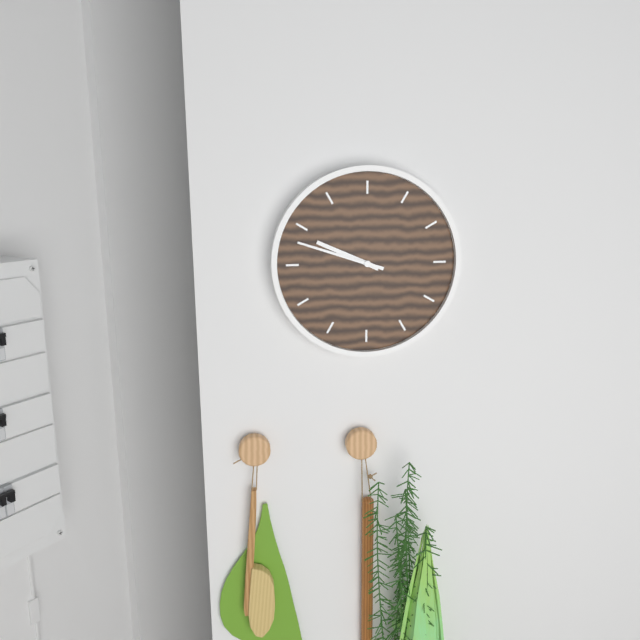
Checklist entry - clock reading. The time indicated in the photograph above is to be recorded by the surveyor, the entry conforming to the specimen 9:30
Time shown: 9:48
